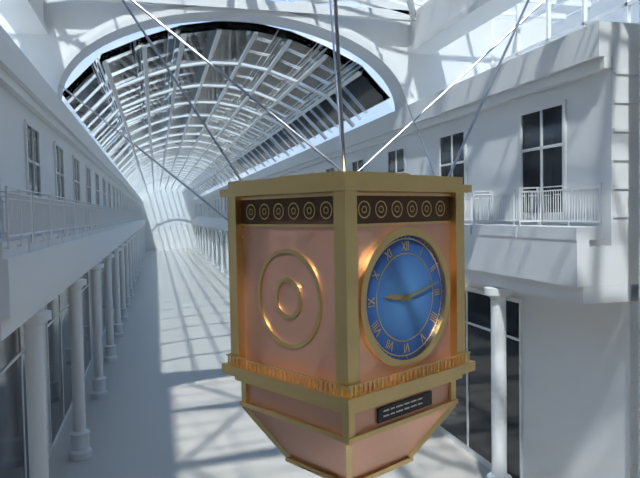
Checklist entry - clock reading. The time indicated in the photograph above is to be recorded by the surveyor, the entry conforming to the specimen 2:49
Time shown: 9:13
